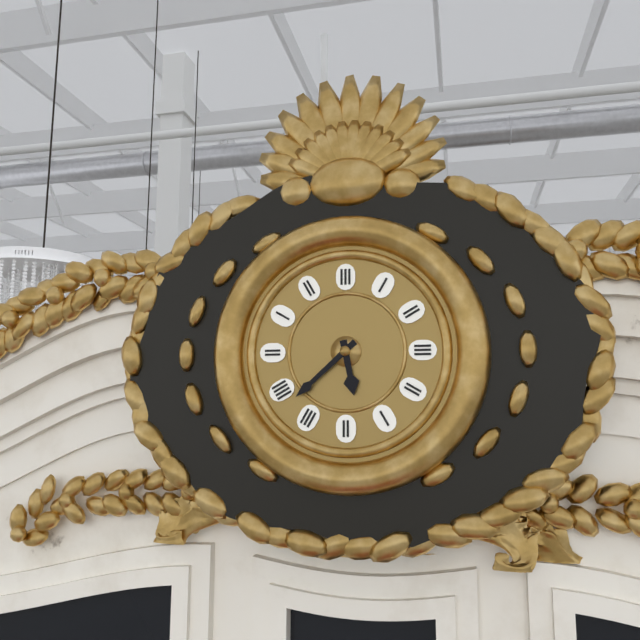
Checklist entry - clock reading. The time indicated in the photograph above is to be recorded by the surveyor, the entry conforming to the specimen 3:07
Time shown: 5:38
